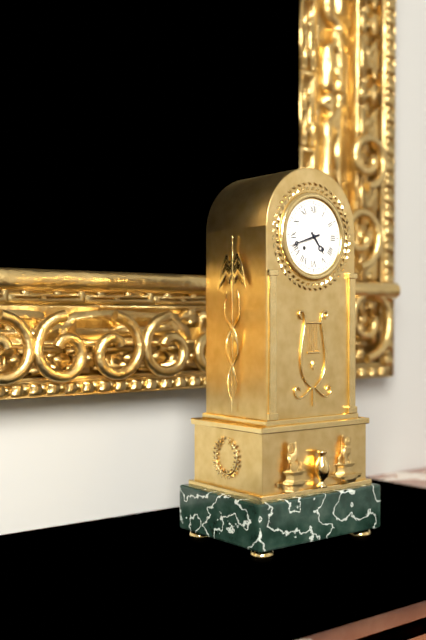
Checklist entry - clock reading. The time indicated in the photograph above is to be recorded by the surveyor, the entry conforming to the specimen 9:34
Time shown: 4:42
